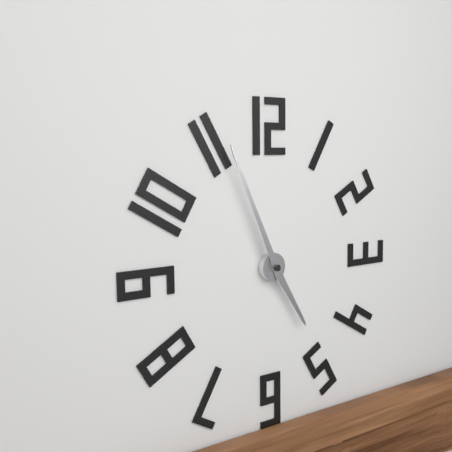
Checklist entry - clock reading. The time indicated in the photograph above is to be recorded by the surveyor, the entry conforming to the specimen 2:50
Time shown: 4:56
